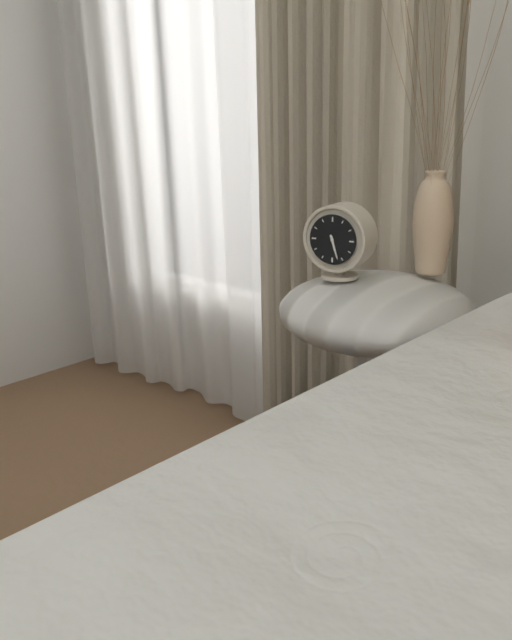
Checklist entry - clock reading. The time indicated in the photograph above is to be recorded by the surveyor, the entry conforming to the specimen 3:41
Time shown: 5:27
